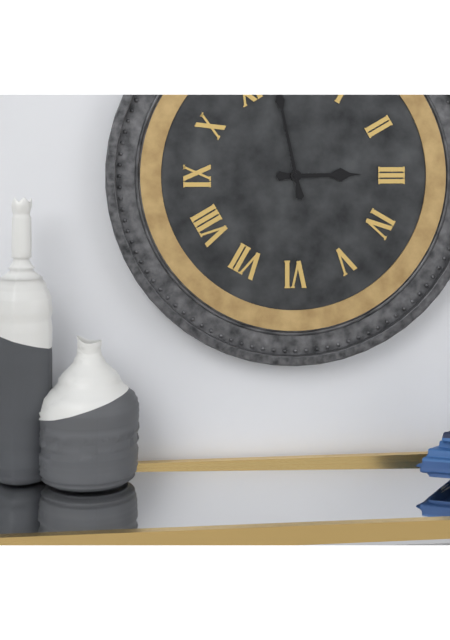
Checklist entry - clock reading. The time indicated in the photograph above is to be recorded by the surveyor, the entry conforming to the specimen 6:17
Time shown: 2:58
